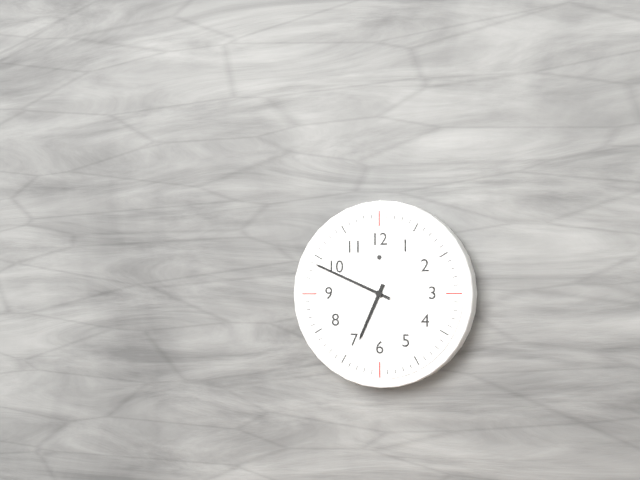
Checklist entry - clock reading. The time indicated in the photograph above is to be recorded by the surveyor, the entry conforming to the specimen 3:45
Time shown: 6:49
